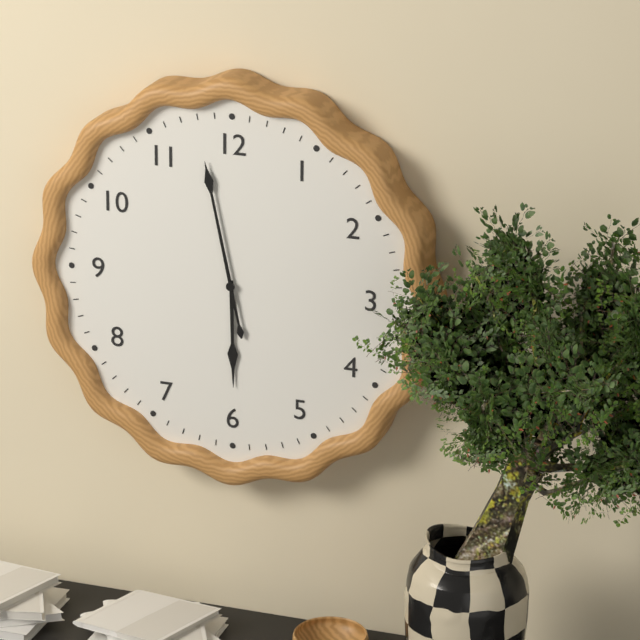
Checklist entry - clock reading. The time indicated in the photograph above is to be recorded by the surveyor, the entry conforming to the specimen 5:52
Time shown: 5:58
